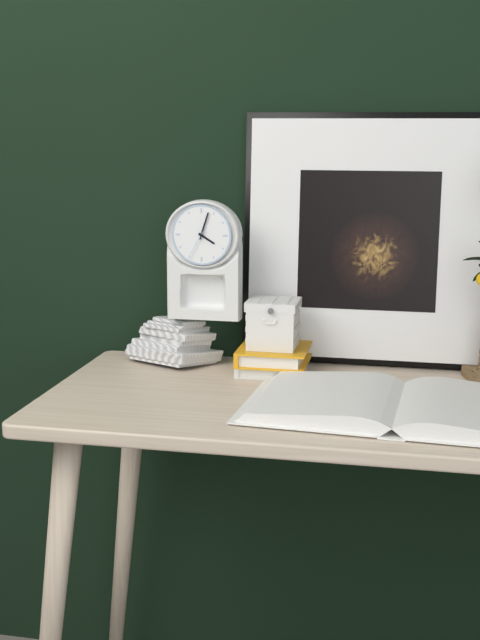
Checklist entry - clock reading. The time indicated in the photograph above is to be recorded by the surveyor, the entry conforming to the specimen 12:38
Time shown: 4:03
